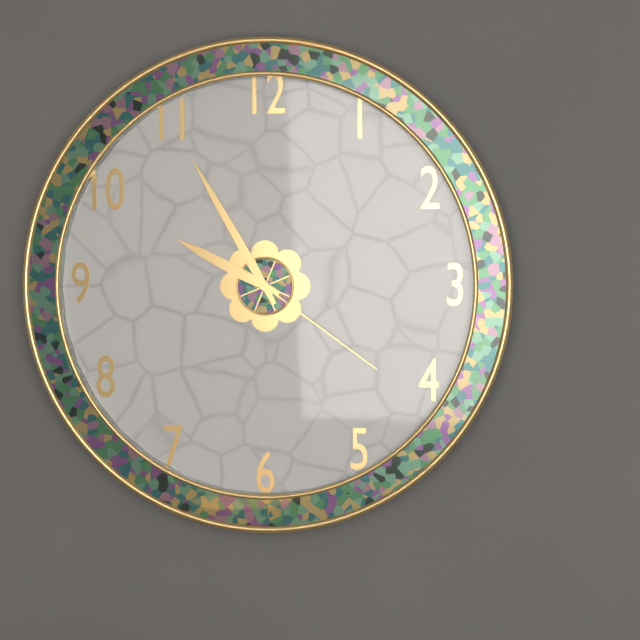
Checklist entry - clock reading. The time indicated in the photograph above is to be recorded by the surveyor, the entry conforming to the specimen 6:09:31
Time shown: 9:55:21
